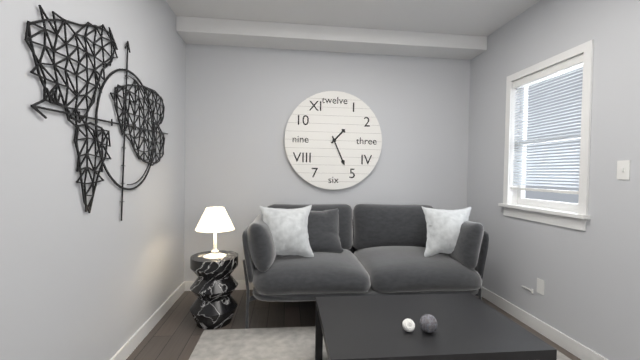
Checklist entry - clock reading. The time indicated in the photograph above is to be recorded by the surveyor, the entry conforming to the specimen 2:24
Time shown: 1:26
